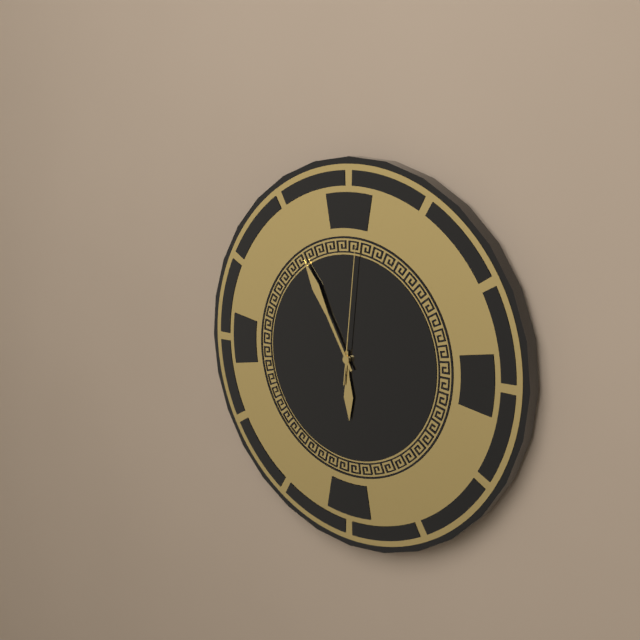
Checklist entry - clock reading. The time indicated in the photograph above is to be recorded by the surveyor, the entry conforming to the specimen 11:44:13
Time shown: 5:55:01
